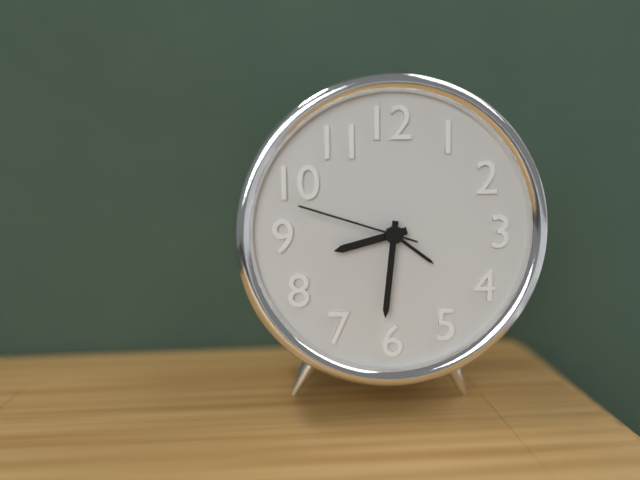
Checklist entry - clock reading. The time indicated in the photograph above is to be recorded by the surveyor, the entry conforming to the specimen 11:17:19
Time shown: 8:31:48
